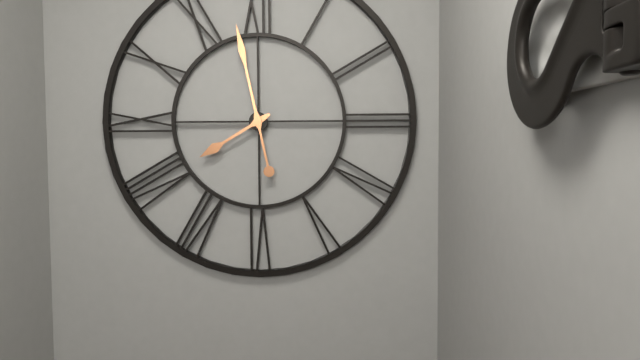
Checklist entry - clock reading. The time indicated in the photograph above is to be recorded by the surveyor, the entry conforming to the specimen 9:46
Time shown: 7:58
